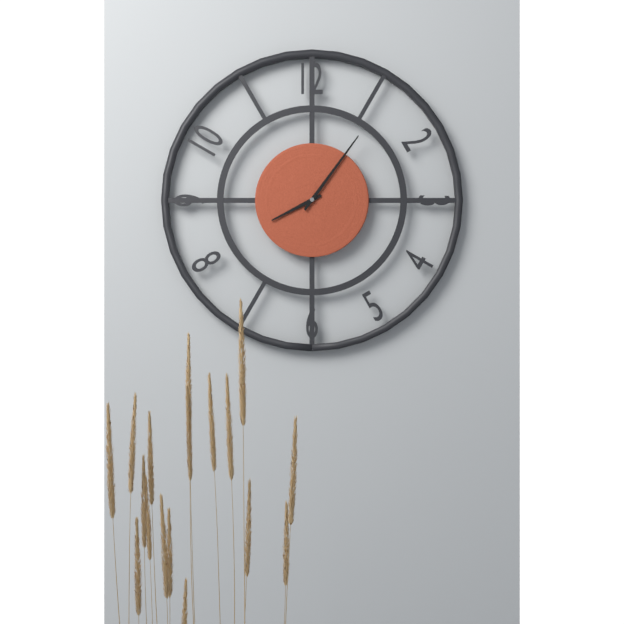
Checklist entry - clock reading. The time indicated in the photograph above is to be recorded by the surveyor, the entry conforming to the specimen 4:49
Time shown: 8:06
